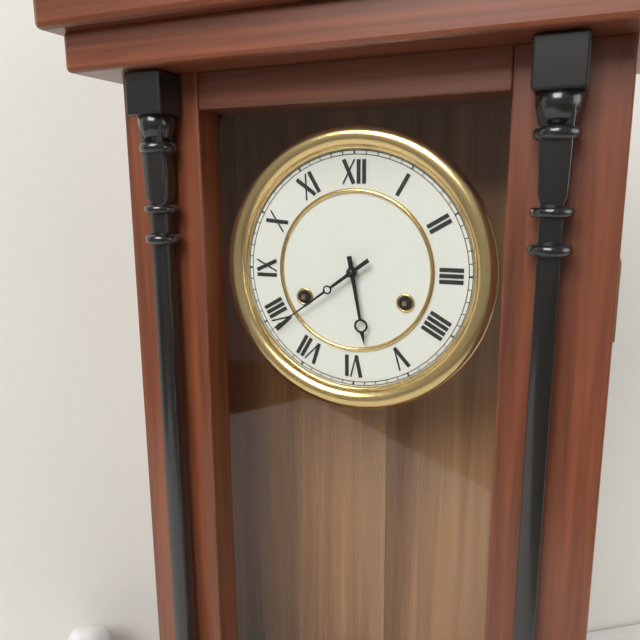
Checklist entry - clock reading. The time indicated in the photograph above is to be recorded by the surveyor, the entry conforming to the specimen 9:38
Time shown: 5:39
